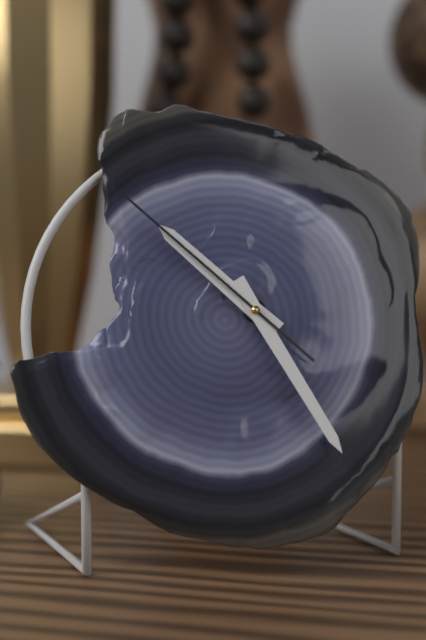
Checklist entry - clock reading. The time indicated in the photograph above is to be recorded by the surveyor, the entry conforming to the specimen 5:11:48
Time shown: 10:25:52
